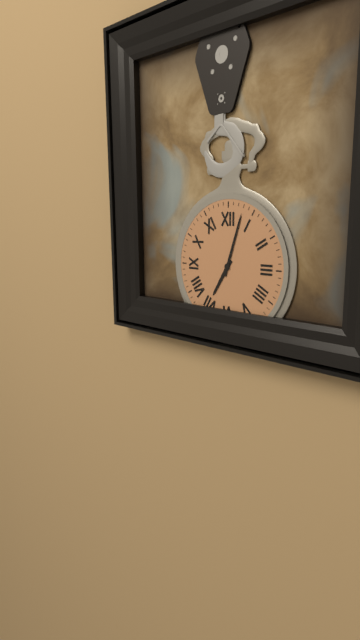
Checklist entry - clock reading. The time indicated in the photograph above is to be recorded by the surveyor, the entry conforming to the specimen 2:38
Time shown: 7:03
